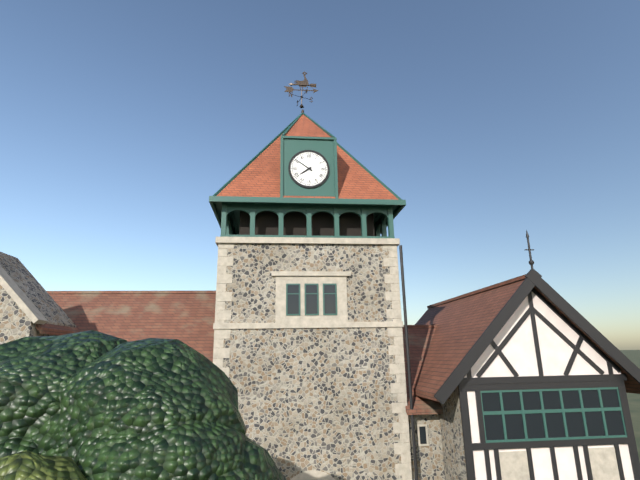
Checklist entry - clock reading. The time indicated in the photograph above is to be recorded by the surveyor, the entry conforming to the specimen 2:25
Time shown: 7:51
